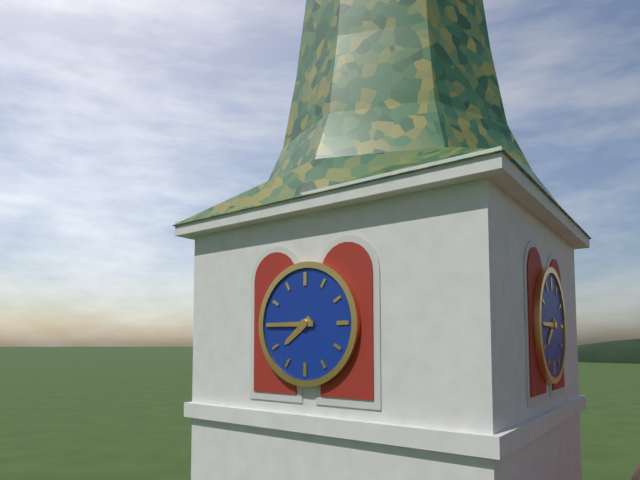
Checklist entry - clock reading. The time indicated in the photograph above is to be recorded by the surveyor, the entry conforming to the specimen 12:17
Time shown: 7:45
